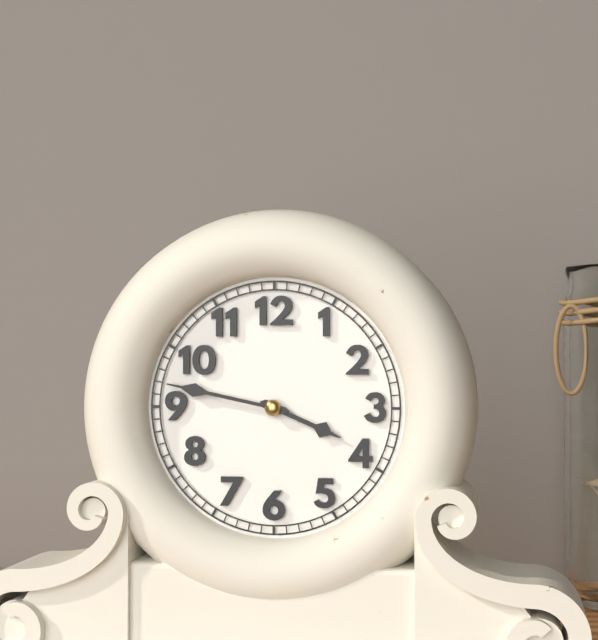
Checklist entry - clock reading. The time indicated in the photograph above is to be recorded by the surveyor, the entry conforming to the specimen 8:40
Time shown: 3:47
